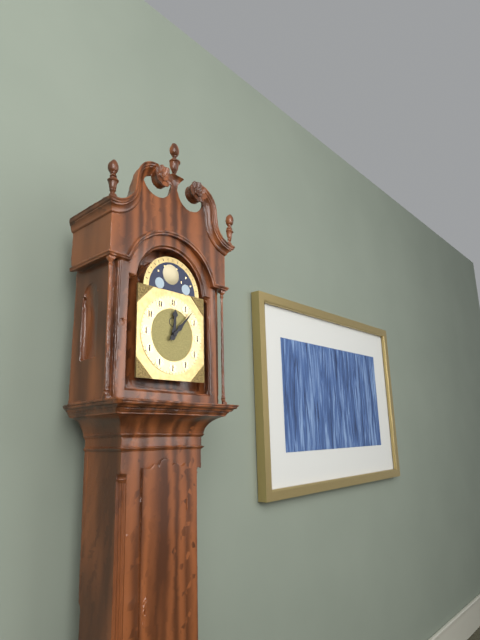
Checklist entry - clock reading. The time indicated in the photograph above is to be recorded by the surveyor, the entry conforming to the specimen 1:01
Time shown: 12:07
